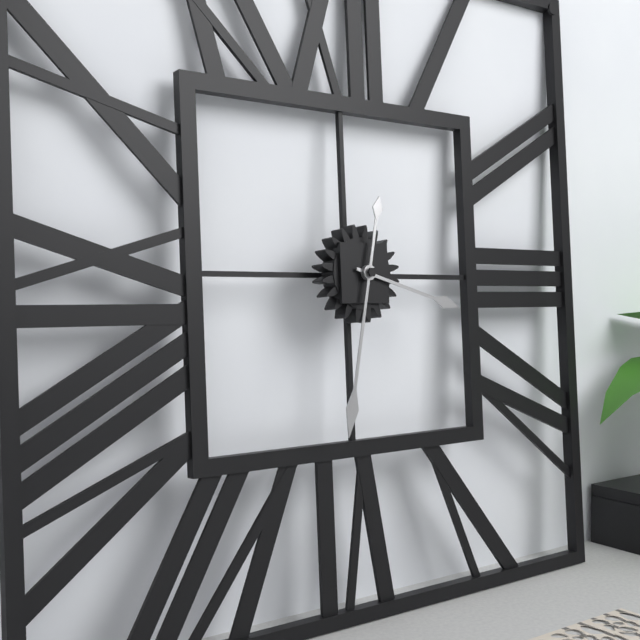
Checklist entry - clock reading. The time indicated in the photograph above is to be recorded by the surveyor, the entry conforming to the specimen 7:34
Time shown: 3:32
